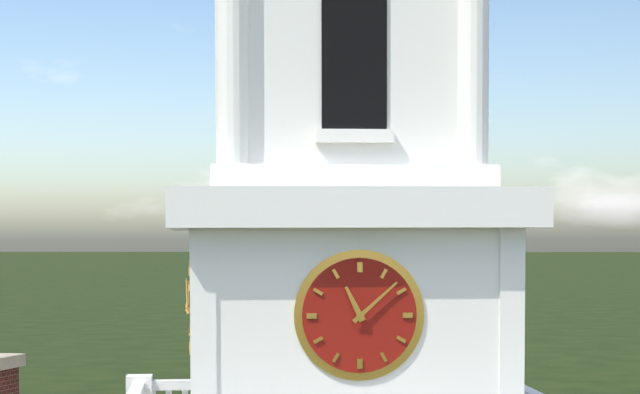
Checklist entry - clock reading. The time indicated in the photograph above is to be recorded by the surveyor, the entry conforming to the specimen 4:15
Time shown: 11:08
